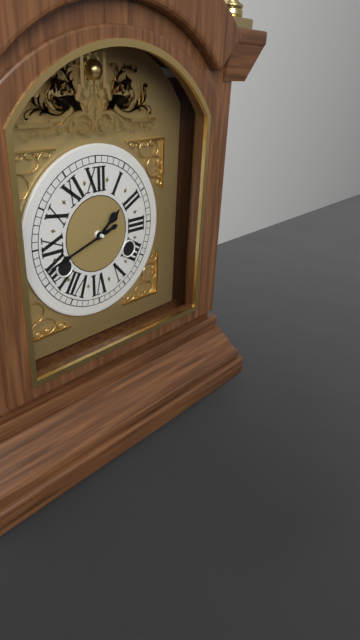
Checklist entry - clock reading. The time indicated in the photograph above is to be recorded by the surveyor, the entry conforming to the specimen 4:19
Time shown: 1:42
